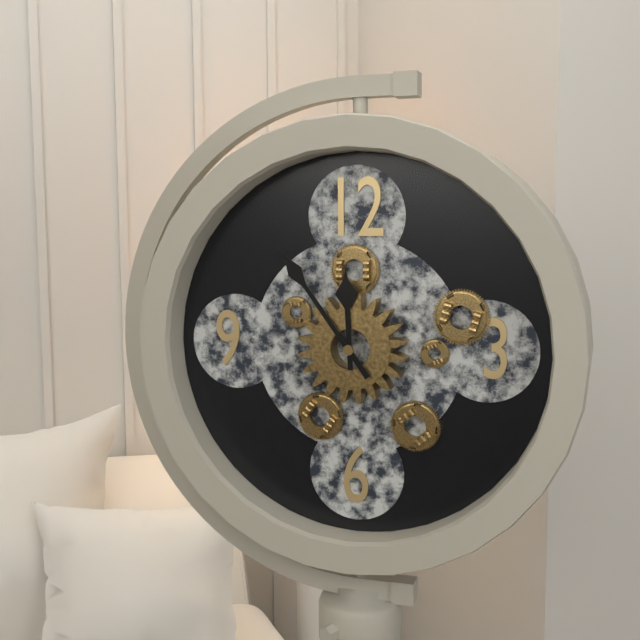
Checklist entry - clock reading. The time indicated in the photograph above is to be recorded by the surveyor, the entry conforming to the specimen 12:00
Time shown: 11:54
